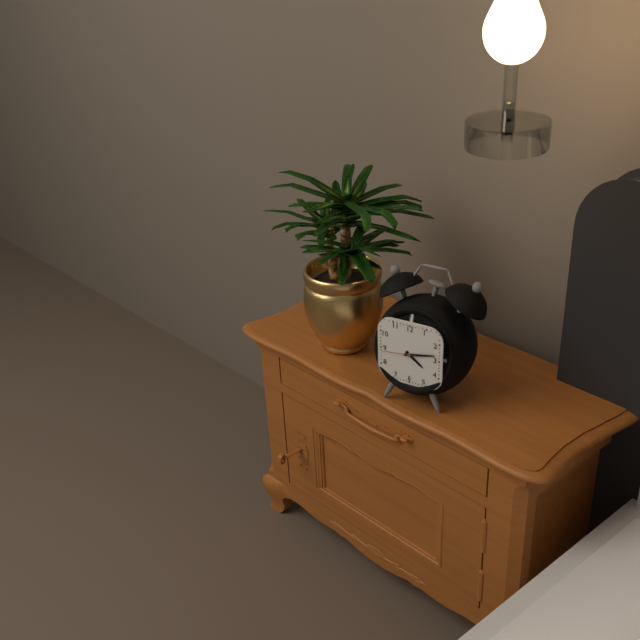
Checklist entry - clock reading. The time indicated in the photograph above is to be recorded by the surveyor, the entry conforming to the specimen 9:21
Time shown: 4:13
